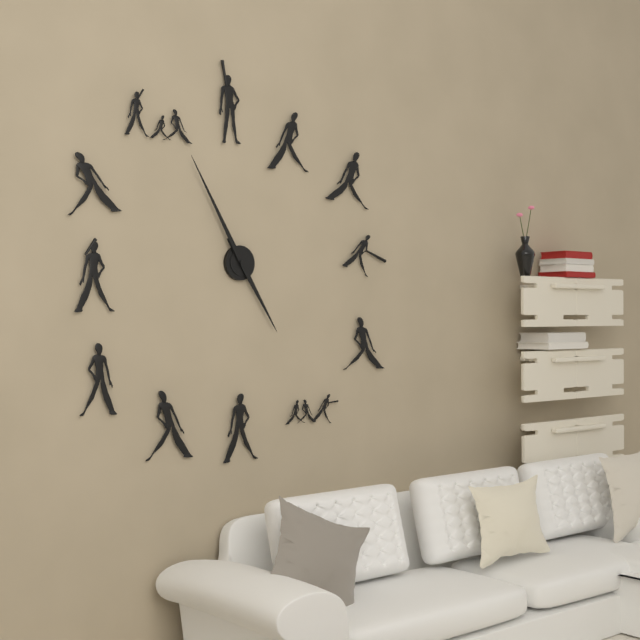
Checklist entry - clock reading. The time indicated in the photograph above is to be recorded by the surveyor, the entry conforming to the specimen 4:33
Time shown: 4:55
